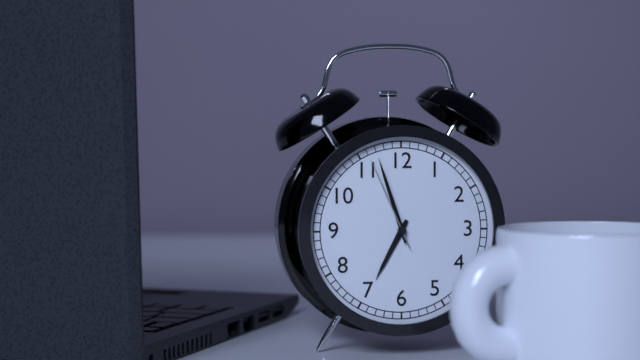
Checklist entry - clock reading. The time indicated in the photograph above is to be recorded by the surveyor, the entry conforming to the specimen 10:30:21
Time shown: 6:57:56
